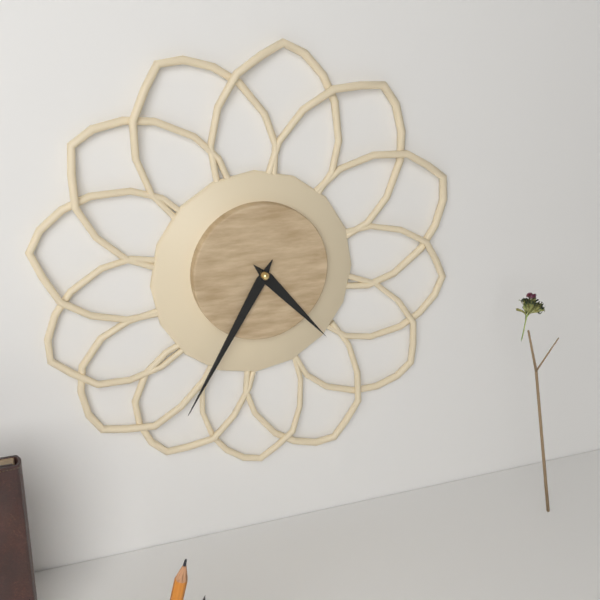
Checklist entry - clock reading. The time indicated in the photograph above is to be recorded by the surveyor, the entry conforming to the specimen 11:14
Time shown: 4:35
